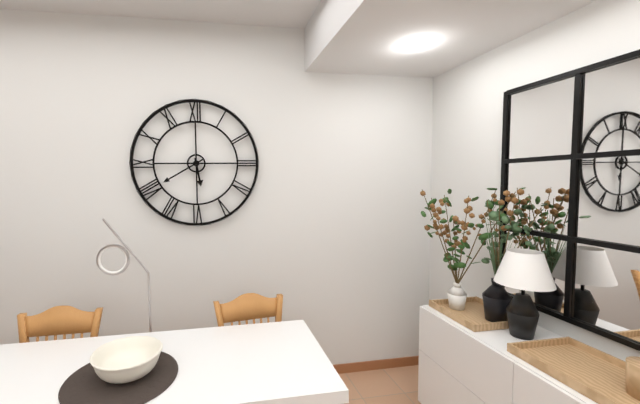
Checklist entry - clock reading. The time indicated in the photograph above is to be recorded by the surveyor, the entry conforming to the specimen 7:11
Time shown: 5:40
